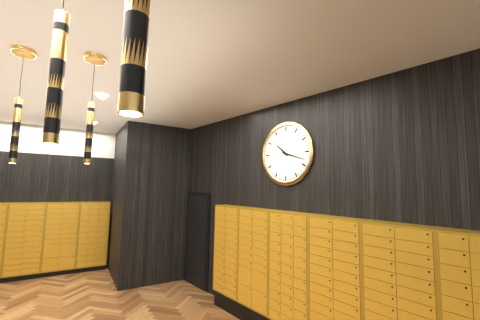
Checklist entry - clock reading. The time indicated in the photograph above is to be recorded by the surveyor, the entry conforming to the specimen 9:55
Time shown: 10:18
